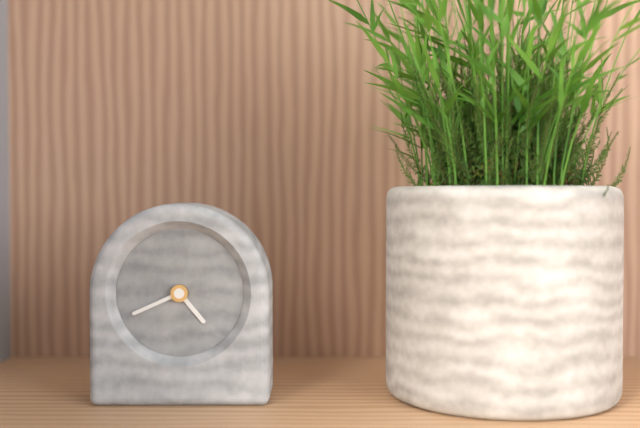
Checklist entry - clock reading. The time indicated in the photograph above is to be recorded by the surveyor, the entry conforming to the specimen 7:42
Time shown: 4:41
